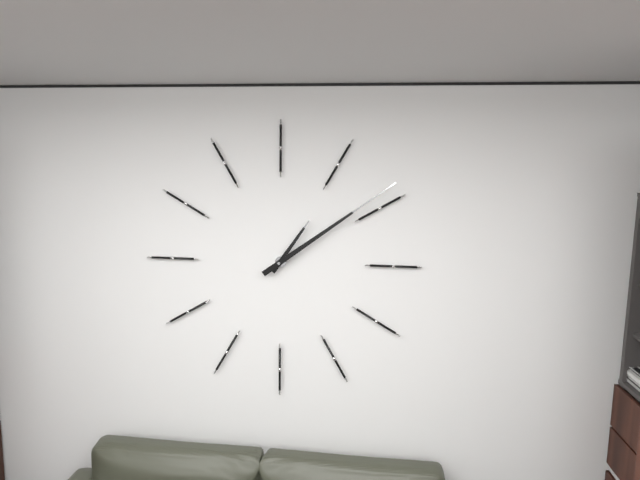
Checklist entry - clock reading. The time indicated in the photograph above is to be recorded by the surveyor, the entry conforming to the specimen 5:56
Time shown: 1:09
